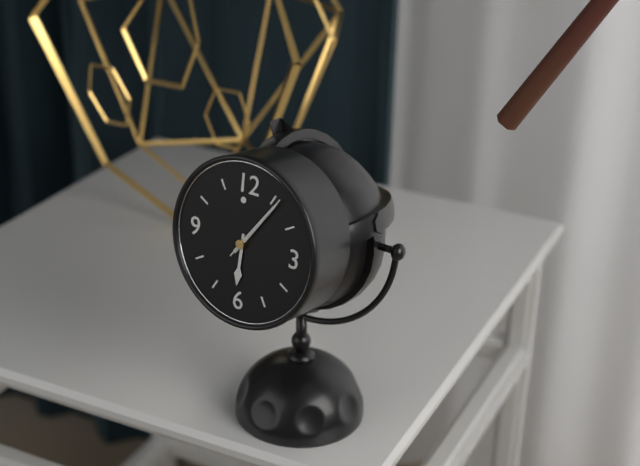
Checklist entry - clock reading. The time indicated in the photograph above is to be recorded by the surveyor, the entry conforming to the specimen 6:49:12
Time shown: 6:06:06
